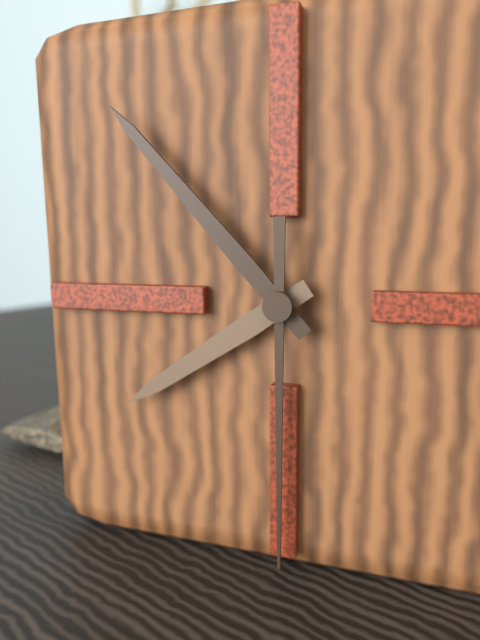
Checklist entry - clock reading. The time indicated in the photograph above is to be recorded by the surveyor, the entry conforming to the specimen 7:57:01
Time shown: 7:53:30
